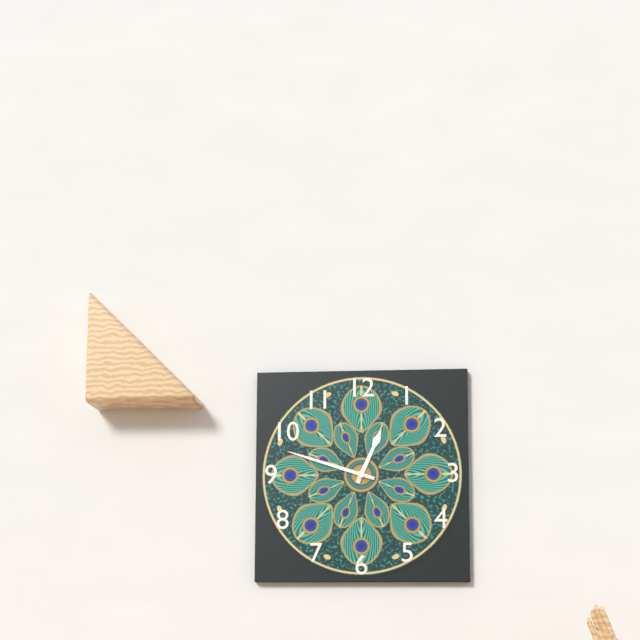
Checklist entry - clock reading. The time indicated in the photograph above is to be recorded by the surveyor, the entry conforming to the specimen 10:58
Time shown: 12:48
